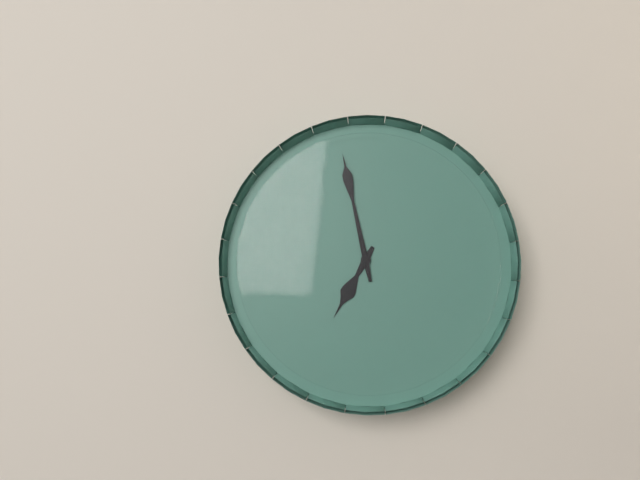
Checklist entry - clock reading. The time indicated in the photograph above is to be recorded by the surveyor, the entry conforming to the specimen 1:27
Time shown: 6:58
